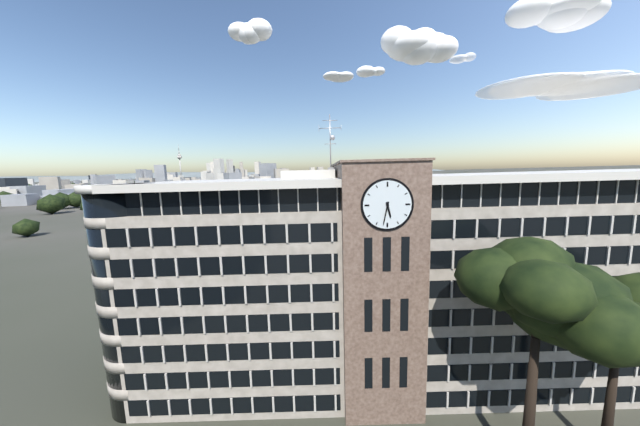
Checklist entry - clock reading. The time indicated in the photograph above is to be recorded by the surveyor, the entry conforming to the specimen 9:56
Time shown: 5:32
